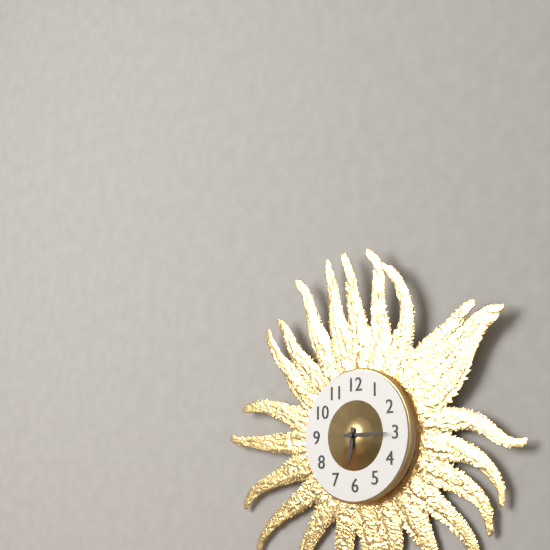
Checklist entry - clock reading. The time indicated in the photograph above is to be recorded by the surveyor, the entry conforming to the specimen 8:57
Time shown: 6:15
